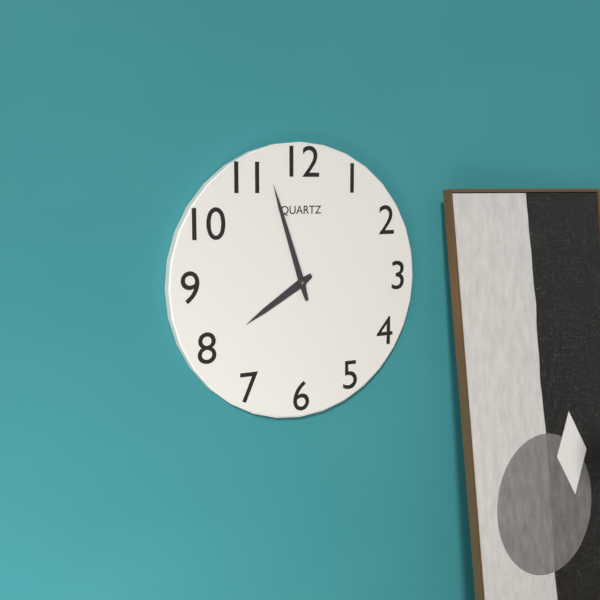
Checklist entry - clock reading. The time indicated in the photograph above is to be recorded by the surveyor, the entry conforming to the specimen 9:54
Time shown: 7:57
